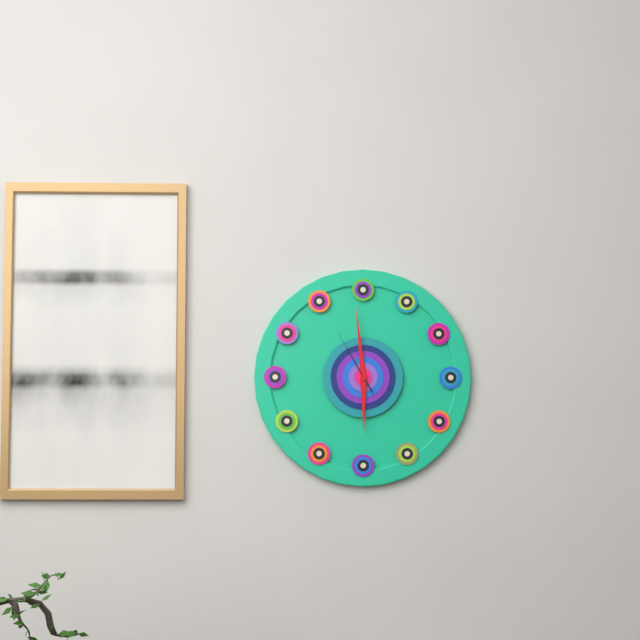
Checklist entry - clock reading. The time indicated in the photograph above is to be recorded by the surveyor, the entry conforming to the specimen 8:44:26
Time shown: 5:59:55
